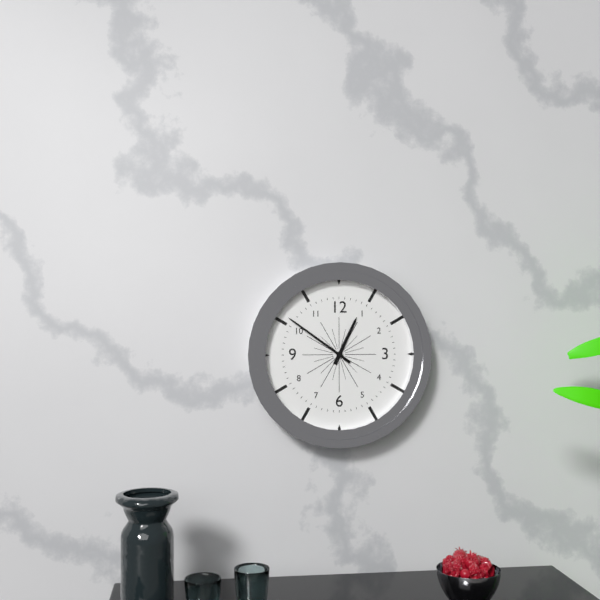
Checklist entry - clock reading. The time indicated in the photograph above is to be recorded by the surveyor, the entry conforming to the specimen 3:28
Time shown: 12:51
